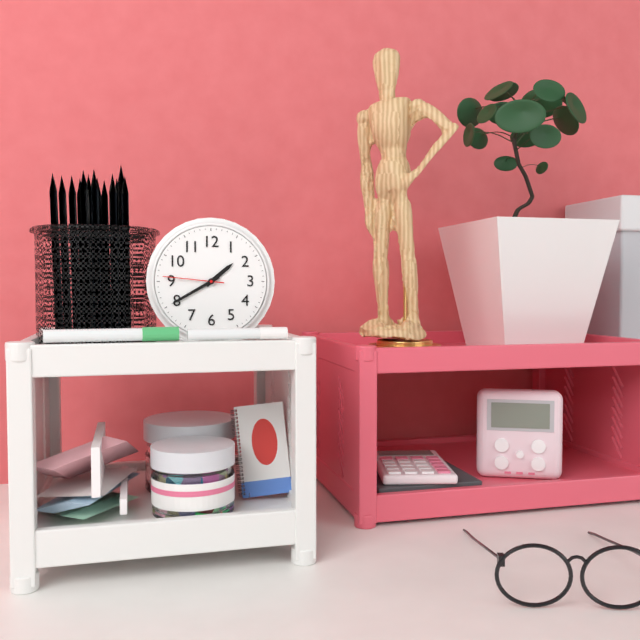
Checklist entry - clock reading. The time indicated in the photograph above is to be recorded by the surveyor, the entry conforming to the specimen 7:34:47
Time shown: 1:40:46
